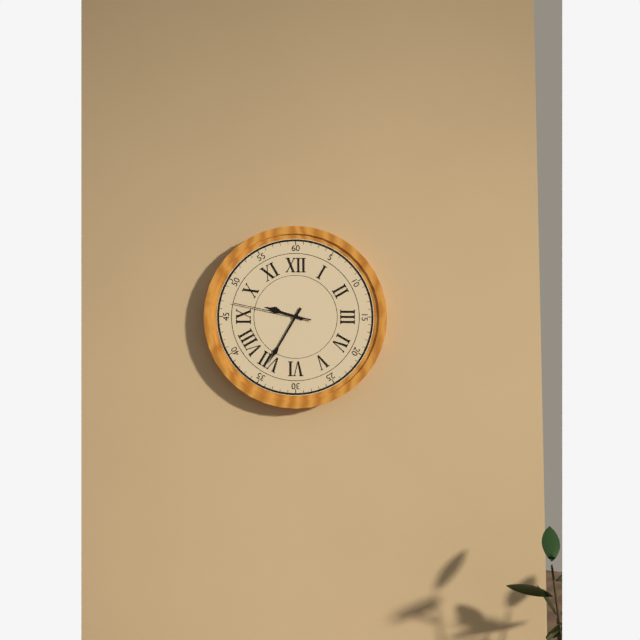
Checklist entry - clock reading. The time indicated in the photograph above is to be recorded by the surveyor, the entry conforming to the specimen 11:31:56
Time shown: 9:35:47
